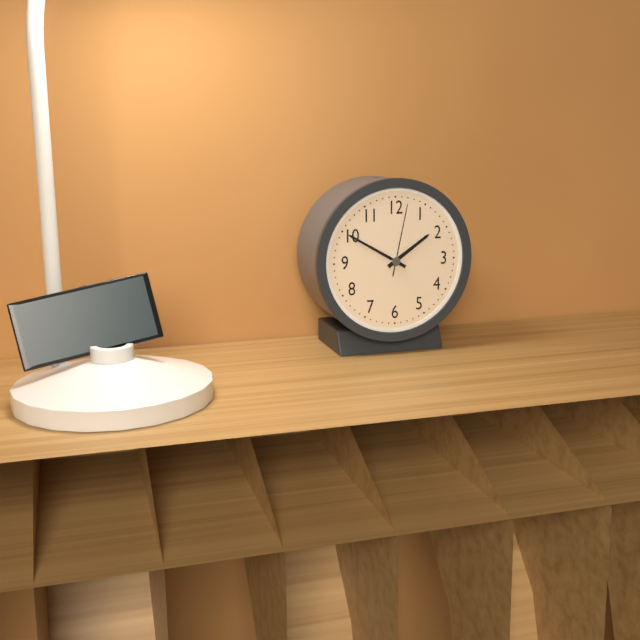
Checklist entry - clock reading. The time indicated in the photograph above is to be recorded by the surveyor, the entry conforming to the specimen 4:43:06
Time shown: 1:50:02
